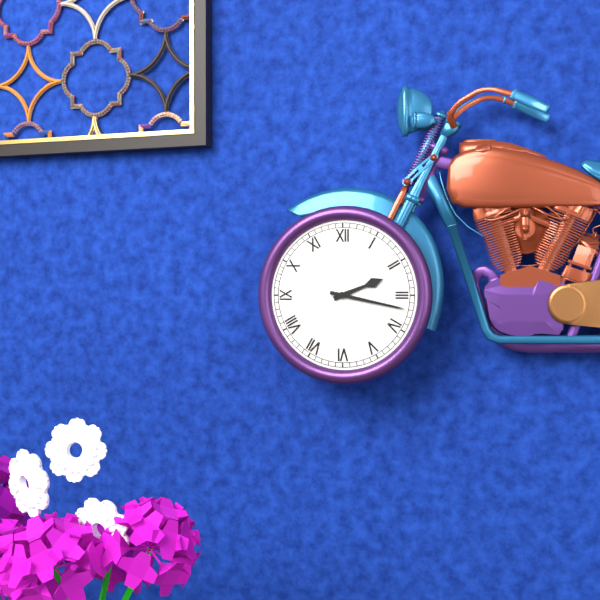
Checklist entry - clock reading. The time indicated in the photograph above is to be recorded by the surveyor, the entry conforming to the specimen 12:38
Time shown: 2:17
